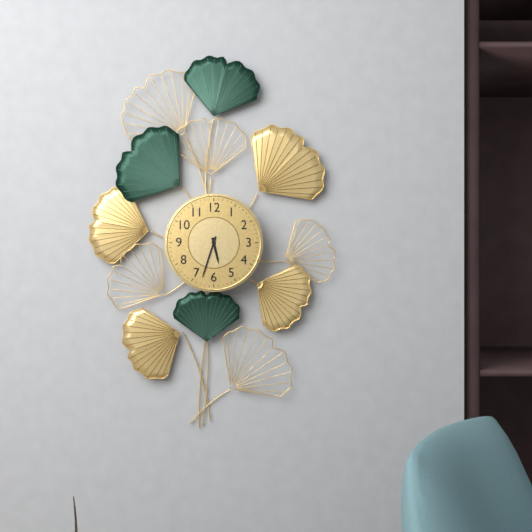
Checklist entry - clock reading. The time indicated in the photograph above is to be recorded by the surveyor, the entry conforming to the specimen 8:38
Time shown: 5:33
